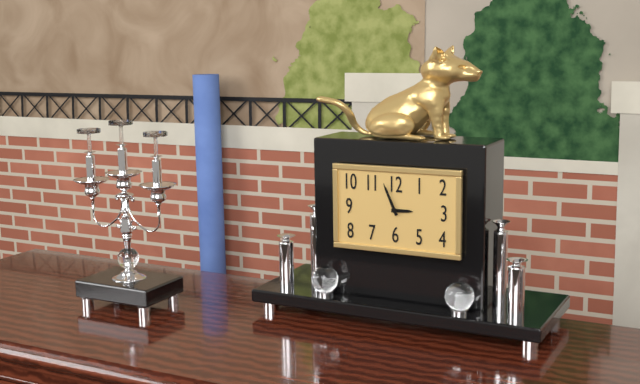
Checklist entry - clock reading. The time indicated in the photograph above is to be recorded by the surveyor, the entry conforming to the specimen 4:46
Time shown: 2:56
